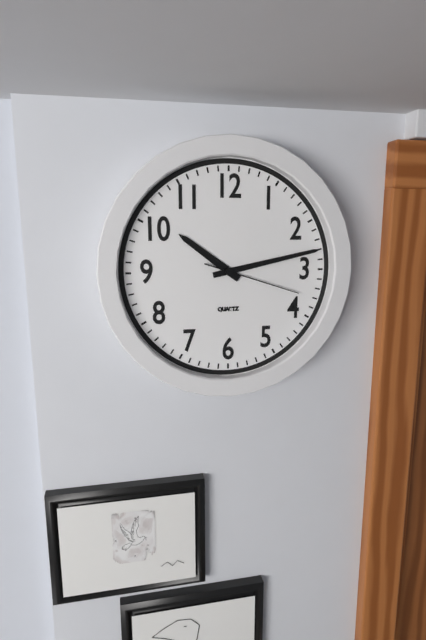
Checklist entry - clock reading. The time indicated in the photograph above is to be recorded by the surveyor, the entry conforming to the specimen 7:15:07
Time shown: 10:13:18
